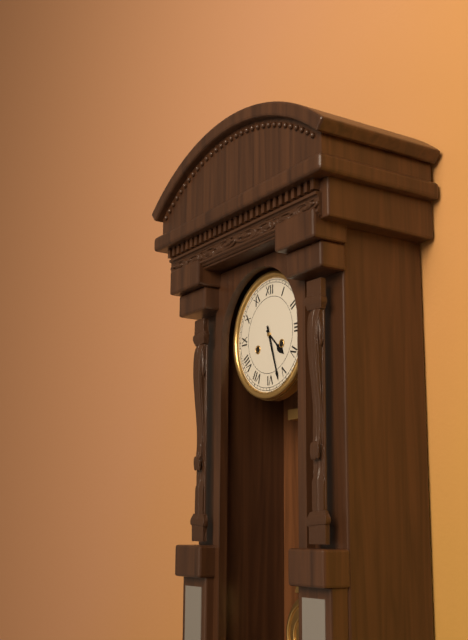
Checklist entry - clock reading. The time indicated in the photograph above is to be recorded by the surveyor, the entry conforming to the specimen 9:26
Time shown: 4:27
